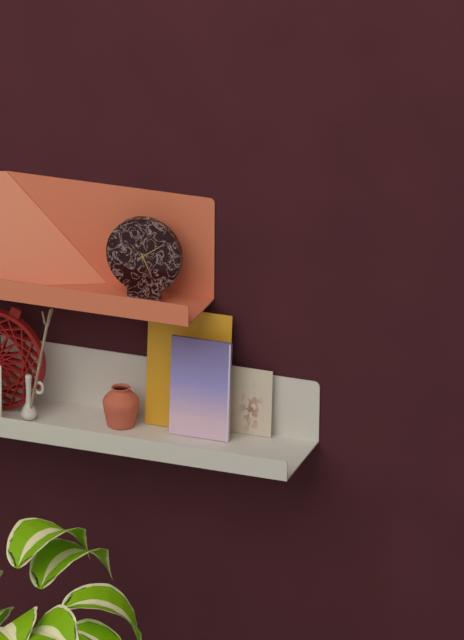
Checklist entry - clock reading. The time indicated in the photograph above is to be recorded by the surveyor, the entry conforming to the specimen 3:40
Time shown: 5:09
